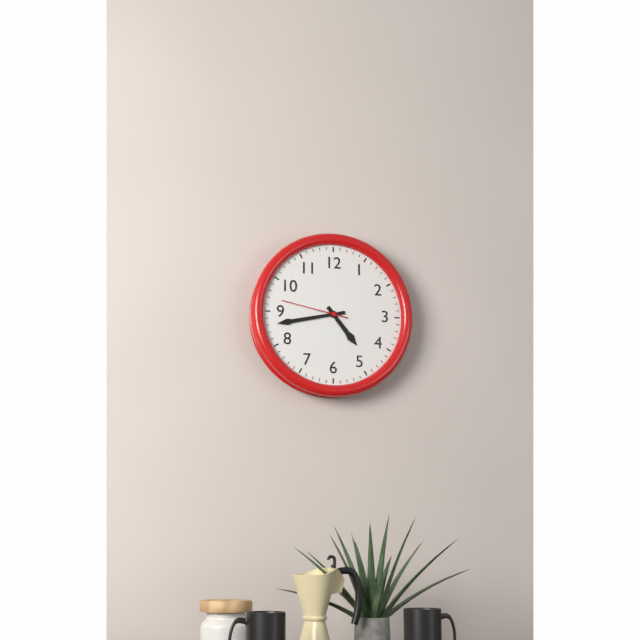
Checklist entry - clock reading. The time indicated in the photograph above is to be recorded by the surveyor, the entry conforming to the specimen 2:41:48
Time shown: 4:43:47
